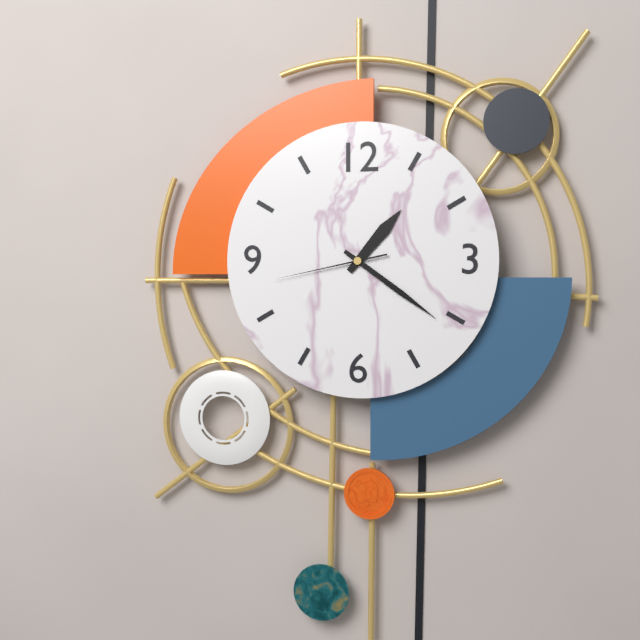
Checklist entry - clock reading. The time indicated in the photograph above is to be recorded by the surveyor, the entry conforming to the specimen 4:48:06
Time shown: 1:21:43
